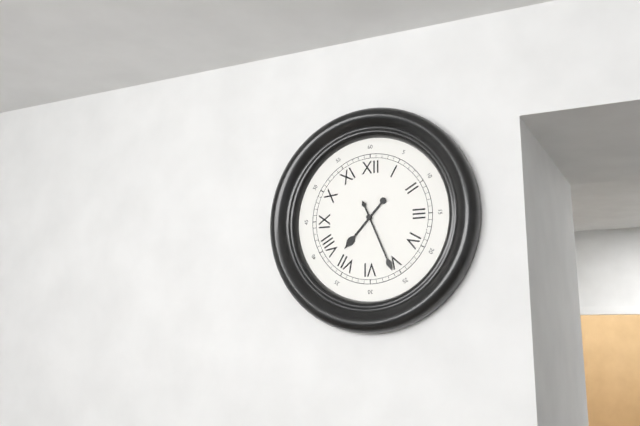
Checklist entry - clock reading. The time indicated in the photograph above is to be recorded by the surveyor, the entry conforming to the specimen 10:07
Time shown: 7:26
